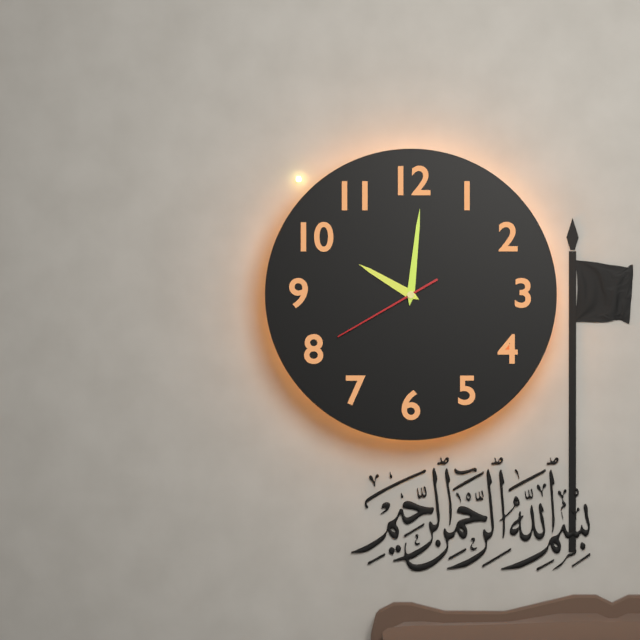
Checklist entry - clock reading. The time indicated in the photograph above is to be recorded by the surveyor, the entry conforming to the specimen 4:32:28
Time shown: 10:01:40
